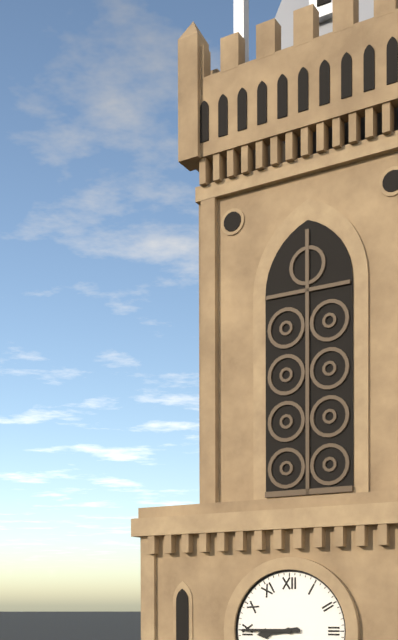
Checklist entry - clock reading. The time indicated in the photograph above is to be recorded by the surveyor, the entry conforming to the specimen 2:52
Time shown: 8:45
